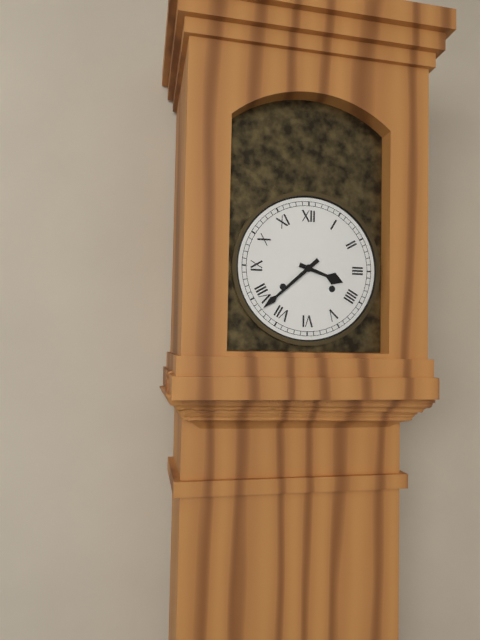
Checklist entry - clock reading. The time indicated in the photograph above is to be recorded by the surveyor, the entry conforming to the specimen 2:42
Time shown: 3:38
